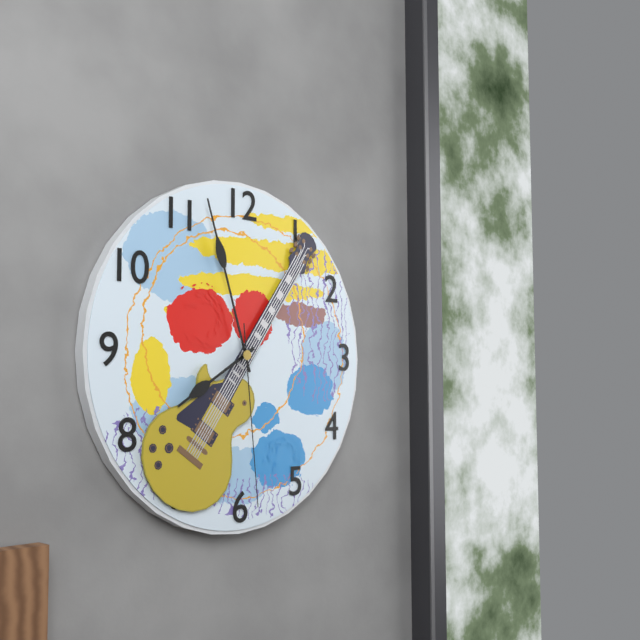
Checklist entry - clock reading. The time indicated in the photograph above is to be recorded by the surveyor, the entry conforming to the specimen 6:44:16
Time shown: 7:57:29
